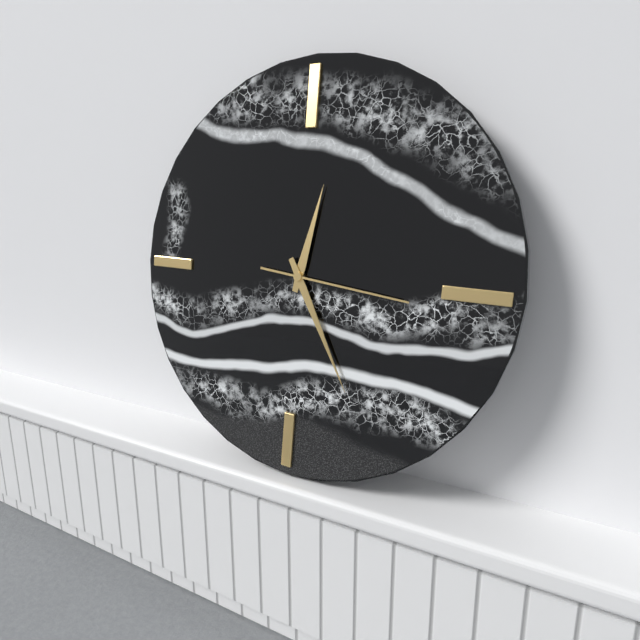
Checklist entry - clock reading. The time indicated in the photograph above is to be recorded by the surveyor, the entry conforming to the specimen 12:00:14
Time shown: 12:25:16
